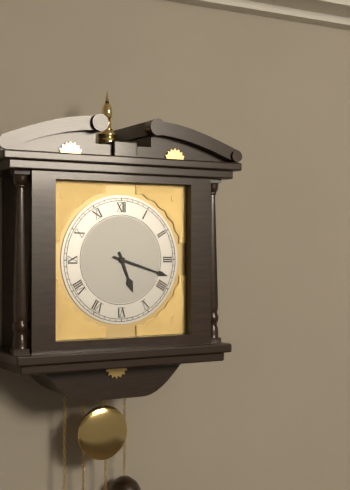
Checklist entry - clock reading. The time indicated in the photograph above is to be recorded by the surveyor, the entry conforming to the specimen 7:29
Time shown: 5:18
